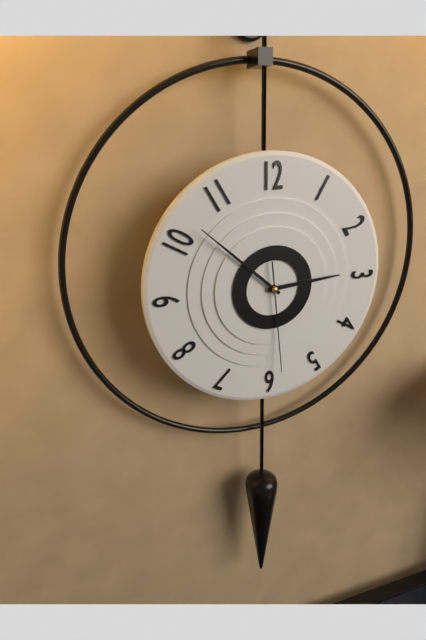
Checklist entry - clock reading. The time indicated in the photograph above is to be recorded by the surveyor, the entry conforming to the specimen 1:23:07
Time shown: 2:52:29
